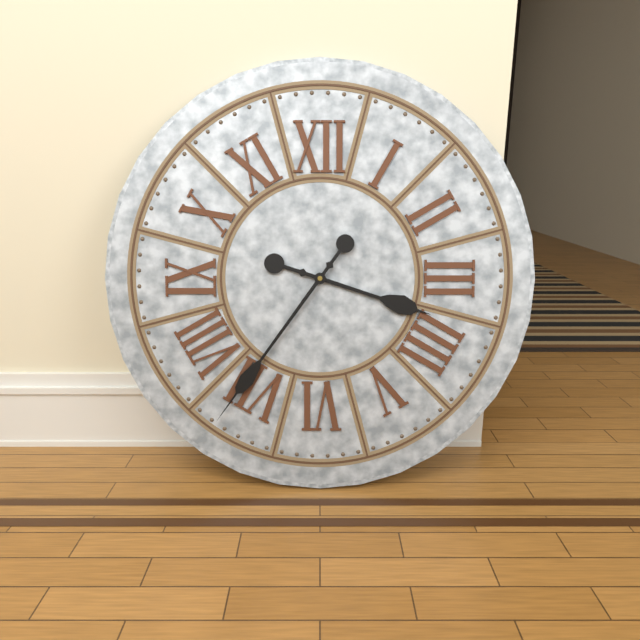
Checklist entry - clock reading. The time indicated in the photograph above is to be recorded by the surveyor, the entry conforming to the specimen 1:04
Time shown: 3:36
